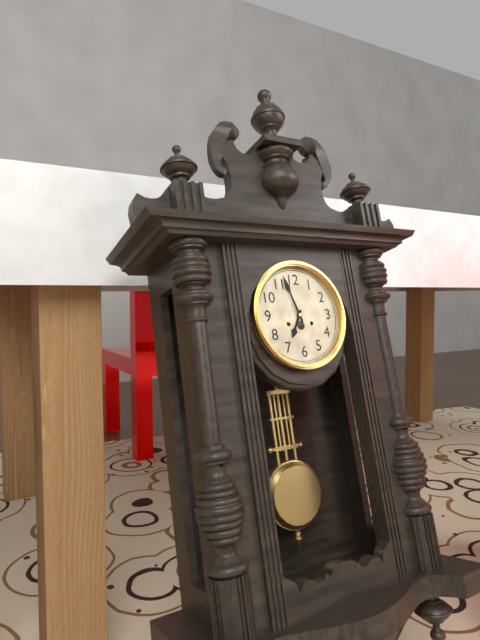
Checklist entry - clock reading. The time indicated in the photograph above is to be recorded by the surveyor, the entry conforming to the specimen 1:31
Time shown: 6:57
